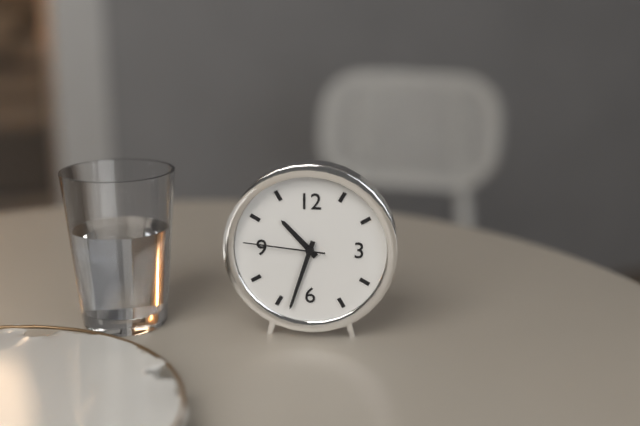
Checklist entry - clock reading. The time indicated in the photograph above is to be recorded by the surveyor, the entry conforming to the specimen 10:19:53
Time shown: 10:33:46
